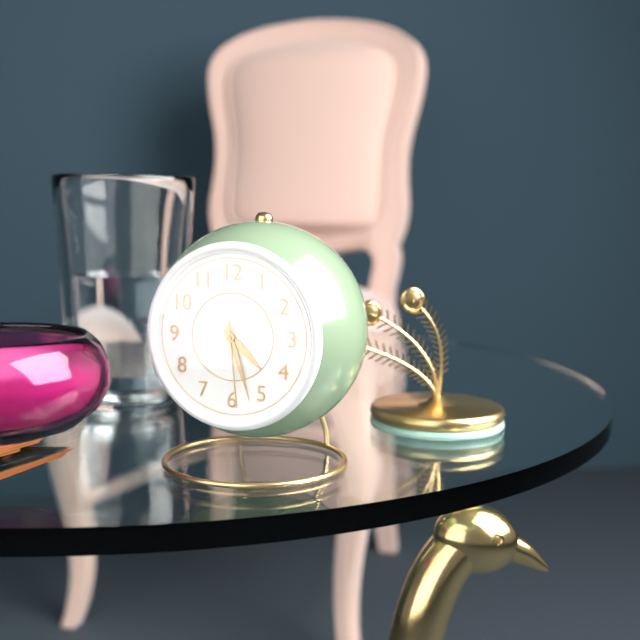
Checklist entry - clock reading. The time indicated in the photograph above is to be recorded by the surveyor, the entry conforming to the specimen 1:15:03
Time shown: 4:27:29
